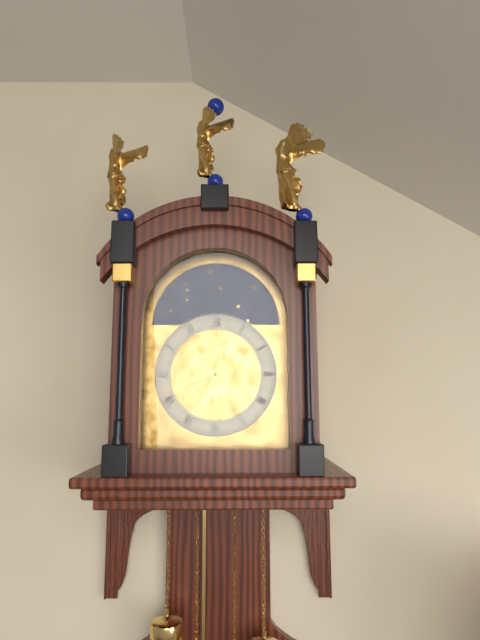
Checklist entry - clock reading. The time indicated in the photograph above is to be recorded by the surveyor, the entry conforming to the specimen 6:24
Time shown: 6:42
